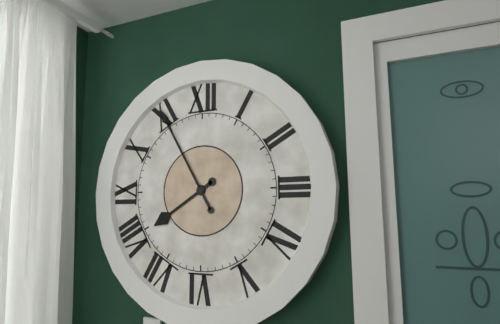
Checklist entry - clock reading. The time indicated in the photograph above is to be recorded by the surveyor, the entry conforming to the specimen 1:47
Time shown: 7:55
